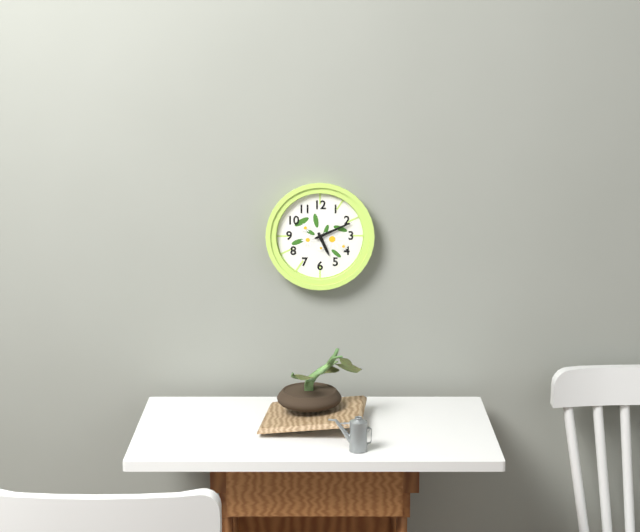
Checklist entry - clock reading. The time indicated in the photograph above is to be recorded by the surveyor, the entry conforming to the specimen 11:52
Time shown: 5:11
